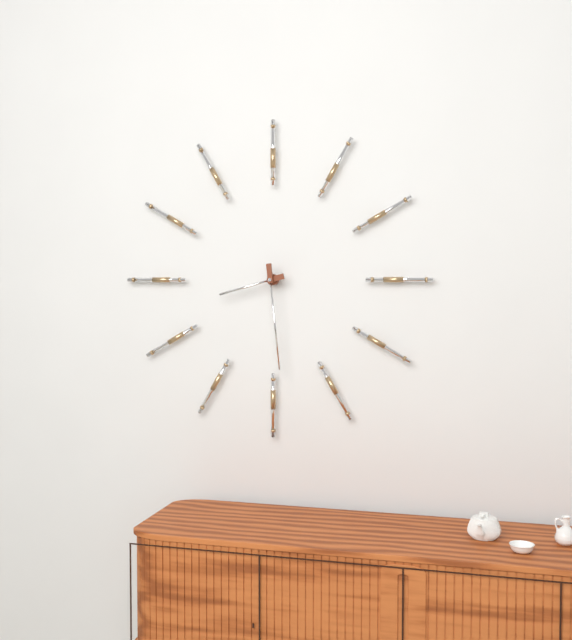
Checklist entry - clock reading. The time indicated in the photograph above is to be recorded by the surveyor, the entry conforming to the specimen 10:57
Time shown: 8:29
